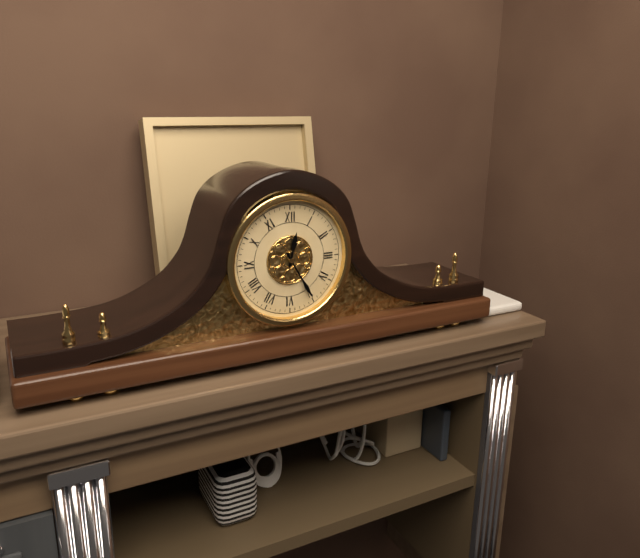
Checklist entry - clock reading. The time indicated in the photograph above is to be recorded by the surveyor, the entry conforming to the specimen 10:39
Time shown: 12:25
